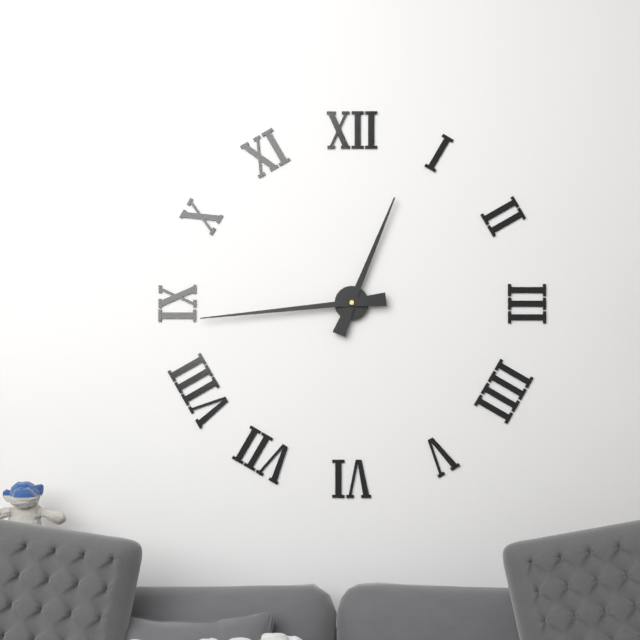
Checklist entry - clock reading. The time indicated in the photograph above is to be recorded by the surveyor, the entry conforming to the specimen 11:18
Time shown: 12:44
